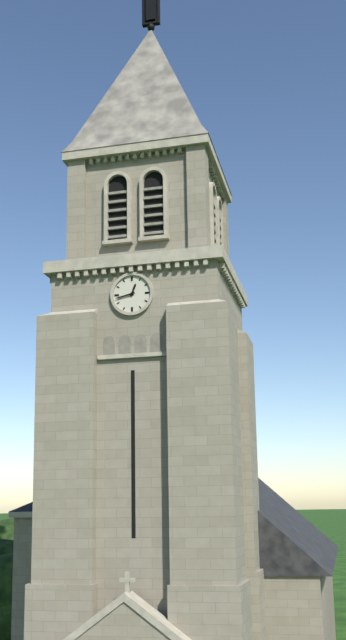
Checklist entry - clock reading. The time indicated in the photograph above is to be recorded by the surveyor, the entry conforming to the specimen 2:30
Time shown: 12:43
